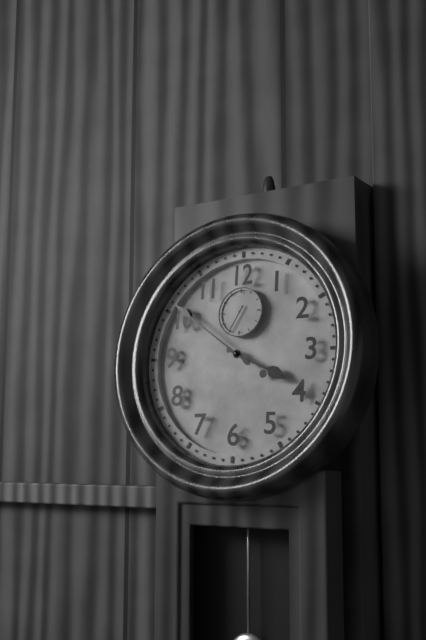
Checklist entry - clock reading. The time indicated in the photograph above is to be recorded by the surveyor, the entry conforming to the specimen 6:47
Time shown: 3:51
